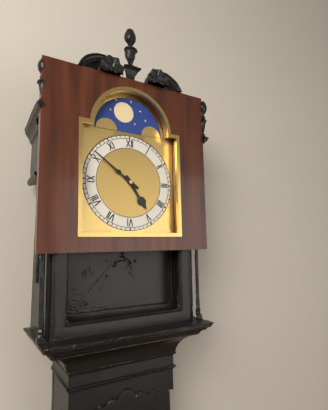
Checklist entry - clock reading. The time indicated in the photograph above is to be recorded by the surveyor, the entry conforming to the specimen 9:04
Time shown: 4:51
